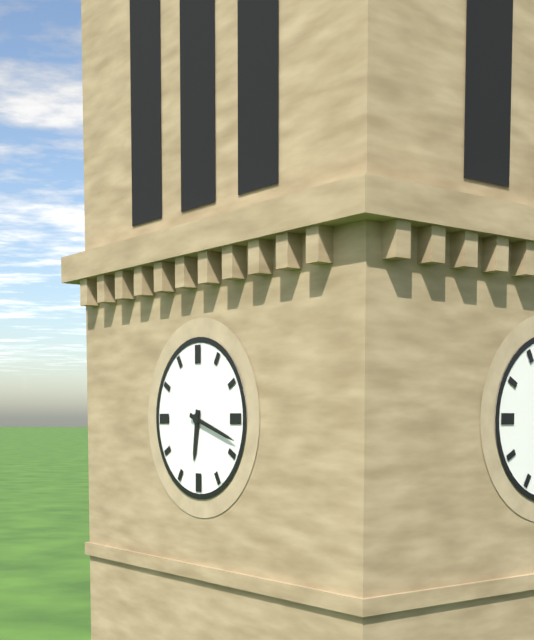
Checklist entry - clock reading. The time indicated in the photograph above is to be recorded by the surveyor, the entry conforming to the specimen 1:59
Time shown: 6:18
